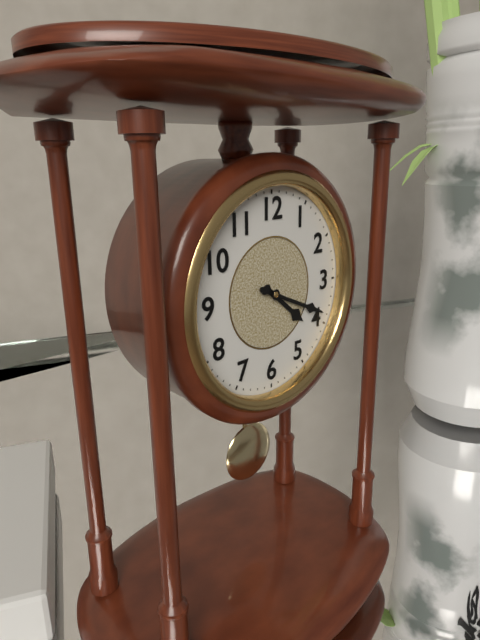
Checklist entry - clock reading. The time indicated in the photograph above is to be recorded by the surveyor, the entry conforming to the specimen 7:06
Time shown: 4:19
